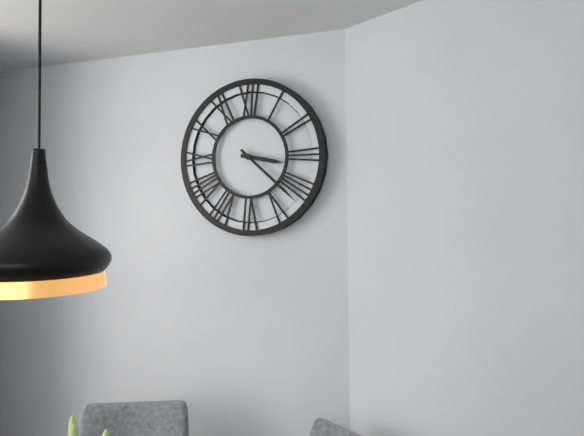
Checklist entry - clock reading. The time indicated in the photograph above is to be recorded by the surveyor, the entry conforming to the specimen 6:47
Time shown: 3:22
